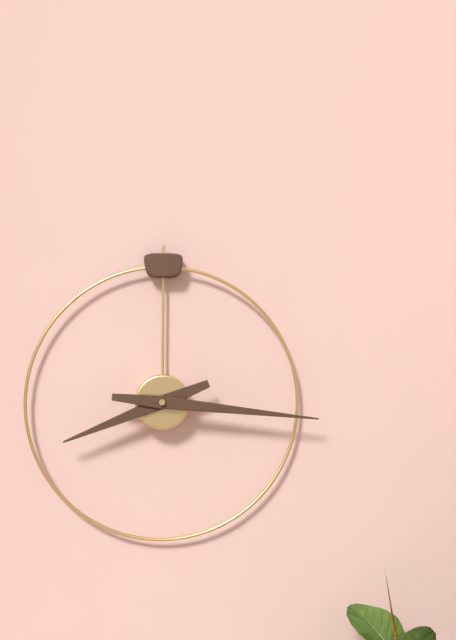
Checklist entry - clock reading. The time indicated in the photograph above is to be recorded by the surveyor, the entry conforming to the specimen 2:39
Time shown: 8:16
